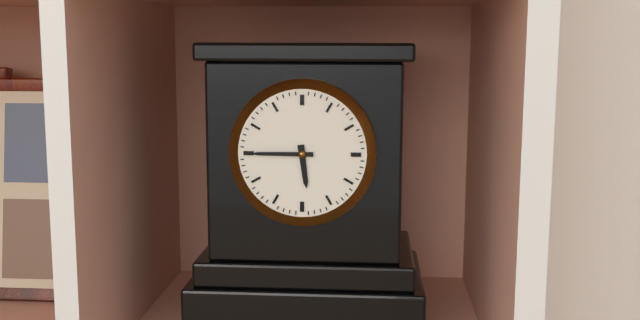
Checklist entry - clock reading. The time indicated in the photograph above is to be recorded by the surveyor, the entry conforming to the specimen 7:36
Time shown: 5:45
